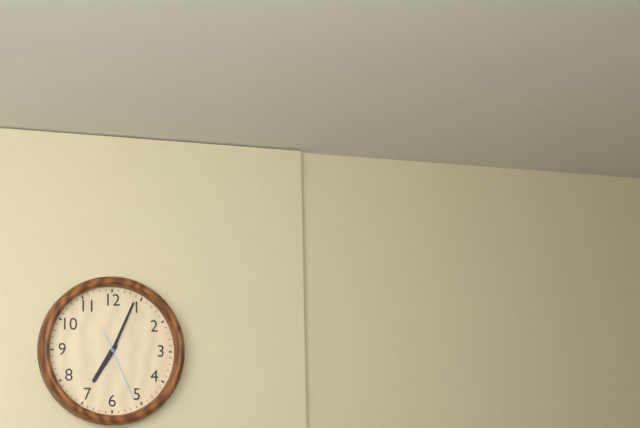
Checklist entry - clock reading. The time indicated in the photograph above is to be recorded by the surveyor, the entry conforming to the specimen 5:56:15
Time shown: 7:04:26
